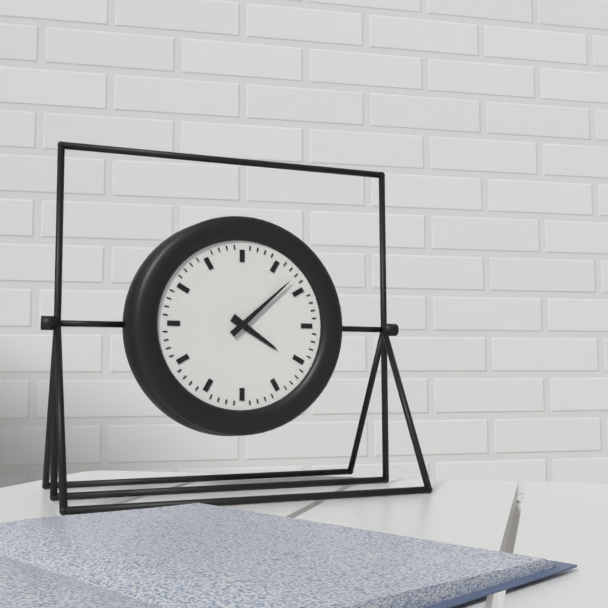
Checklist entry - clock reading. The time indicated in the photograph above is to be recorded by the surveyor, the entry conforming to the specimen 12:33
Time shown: 4:08
